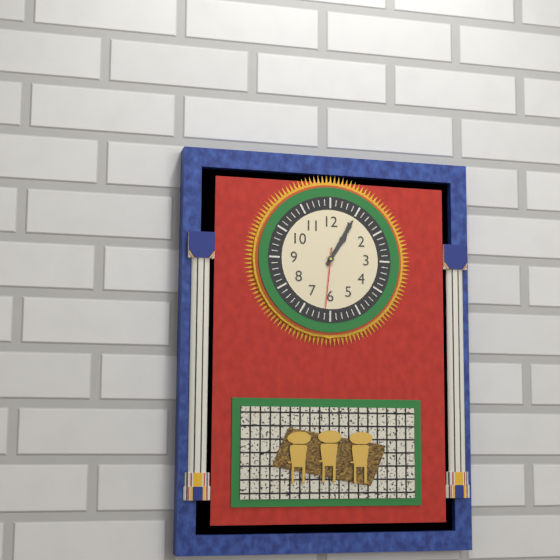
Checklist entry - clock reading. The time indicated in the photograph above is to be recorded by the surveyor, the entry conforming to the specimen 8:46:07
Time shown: 1:05:31
